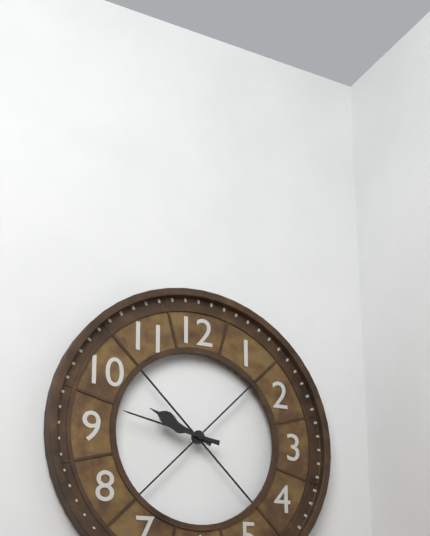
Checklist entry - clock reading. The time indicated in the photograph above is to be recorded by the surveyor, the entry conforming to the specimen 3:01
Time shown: 9:47
